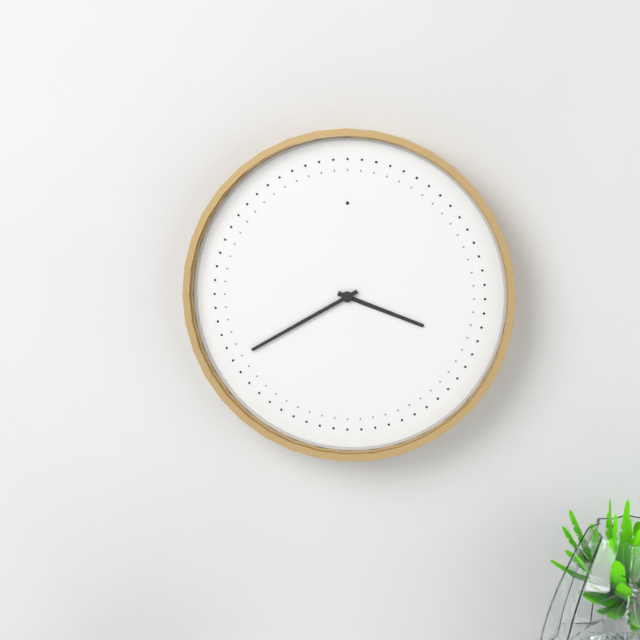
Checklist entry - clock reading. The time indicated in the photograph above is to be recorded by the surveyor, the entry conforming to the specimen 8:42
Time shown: 3:40
